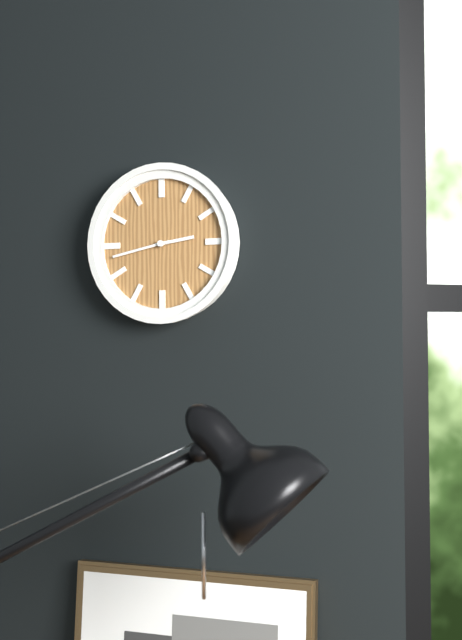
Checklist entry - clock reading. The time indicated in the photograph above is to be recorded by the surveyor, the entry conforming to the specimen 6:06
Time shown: 2:43
